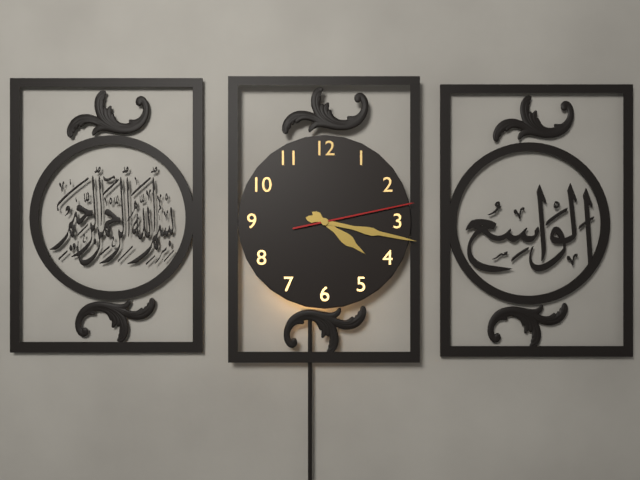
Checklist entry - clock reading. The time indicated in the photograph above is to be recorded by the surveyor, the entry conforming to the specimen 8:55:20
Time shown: 4:17:13
